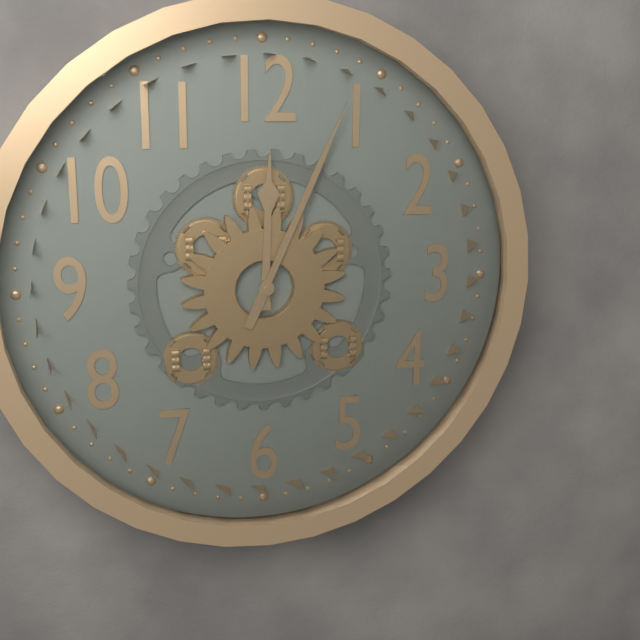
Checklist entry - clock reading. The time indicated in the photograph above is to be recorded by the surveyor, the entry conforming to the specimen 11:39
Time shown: 12:04
